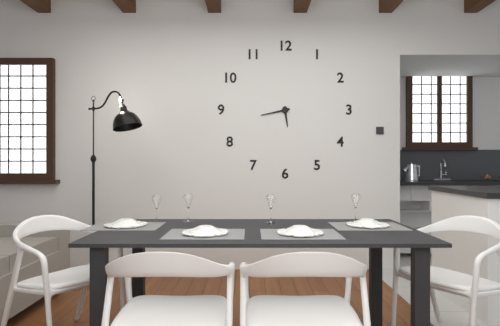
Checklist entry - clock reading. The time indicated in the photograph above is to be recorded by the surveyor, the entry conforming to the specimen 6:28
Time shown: 5:43
